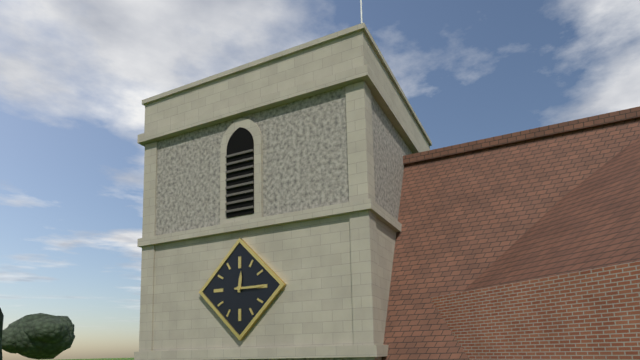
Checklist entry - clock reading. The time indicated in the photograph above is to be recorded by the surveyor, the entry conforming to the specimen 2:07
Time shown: 12:15
